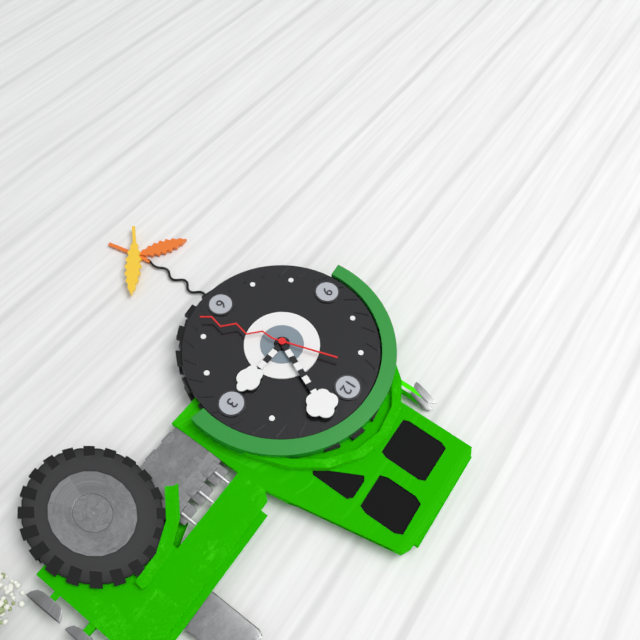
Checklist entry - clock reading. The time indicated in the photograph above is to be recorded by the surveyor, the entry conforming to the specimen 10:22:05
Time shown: 3:04:27
